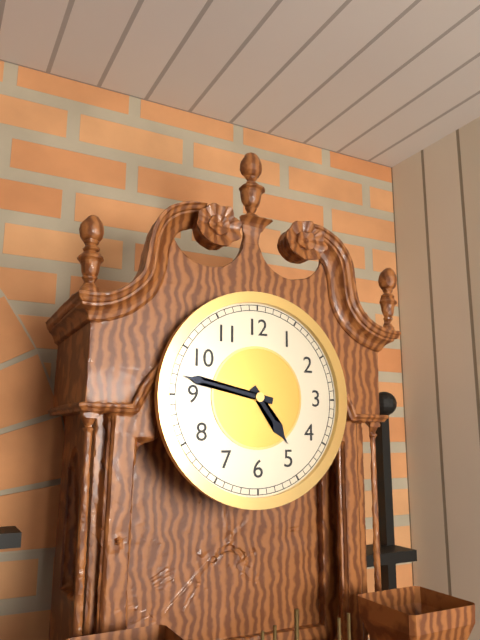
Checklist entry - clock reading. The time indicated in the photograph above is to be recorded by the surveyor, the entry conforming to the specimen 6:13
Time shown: 4:47
